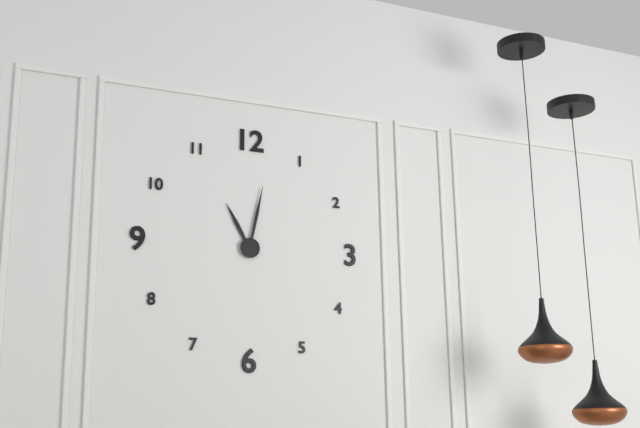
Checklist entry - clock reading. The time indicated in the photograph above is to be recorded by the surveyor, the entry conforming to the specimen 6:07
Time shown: 11:02
